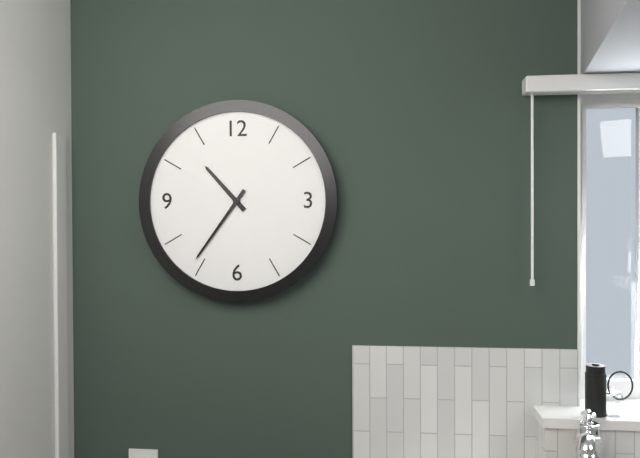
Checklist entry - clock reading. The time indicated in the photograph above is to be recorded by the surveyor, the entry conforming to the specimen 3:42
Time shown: 10:36
